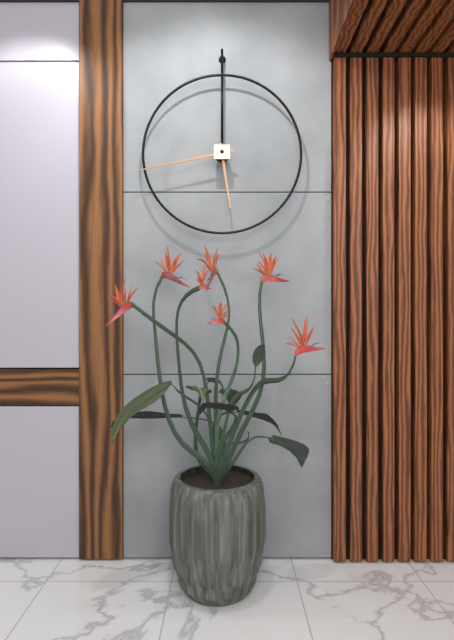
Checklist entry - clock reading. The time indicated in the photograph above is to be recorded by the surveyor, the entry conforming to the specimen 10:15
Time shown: 5:43
